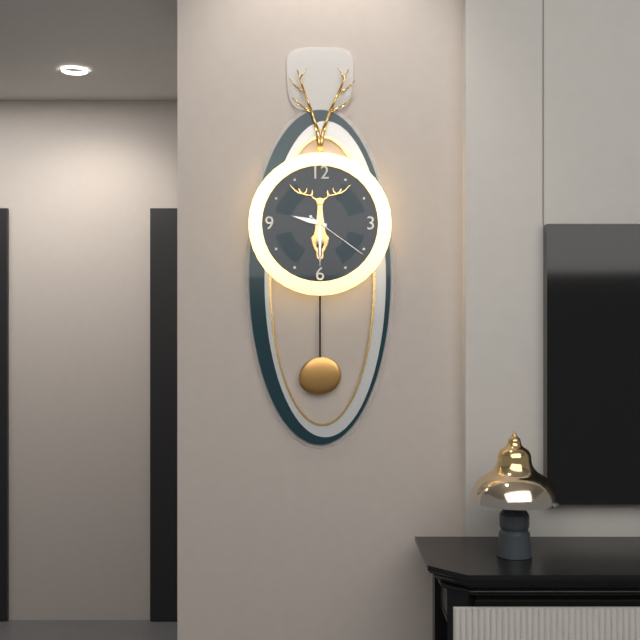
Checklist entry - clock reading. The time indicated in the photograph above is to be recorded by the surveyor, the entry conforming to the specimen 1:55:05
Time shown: 9:30:21
